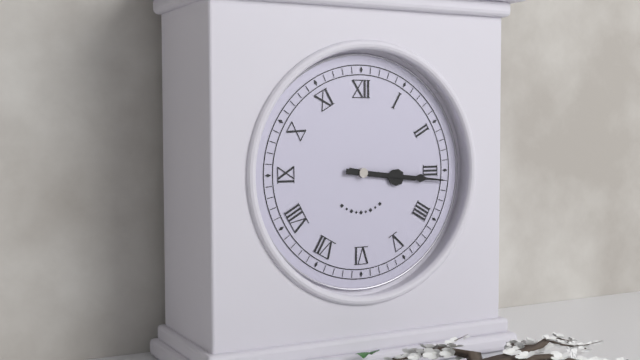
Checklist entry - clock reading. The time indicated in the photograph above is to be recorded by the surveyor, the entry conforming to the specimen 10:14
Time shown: 3:16
